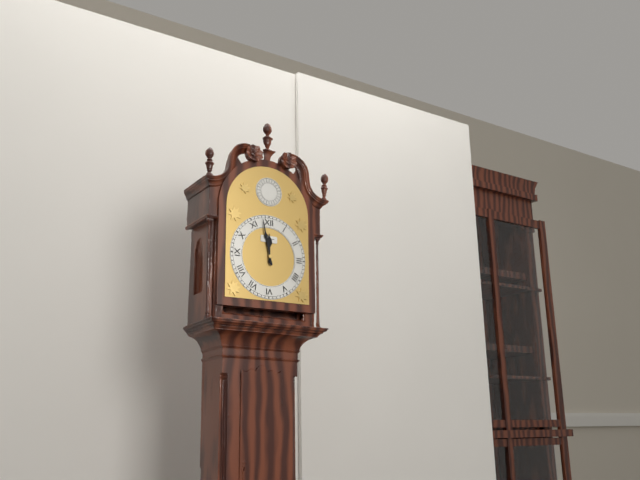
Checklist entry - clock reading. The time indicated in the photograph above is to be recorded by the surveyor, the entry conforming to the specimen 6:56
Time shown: 11:58
